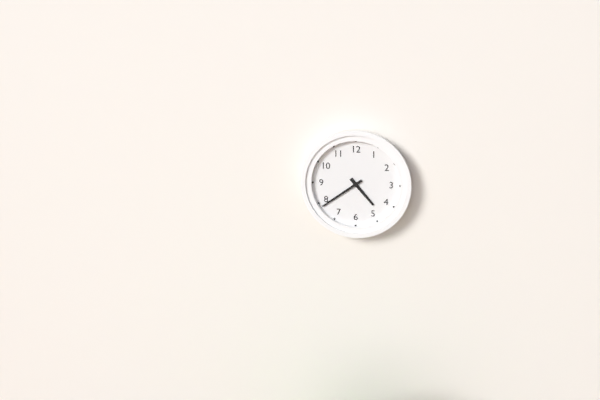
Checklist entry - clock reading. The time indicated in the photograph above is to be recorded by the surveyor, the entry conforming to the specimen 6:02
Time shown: 4:39
